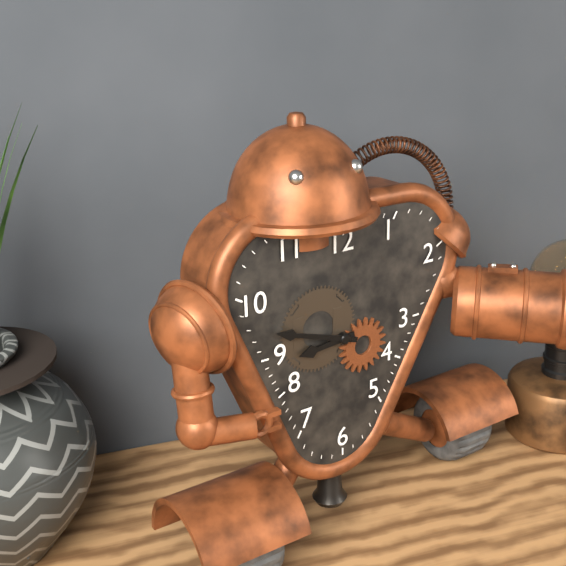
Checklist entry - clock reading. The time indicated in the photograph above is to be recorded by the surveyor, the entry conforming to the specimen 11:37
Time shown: 8:48
